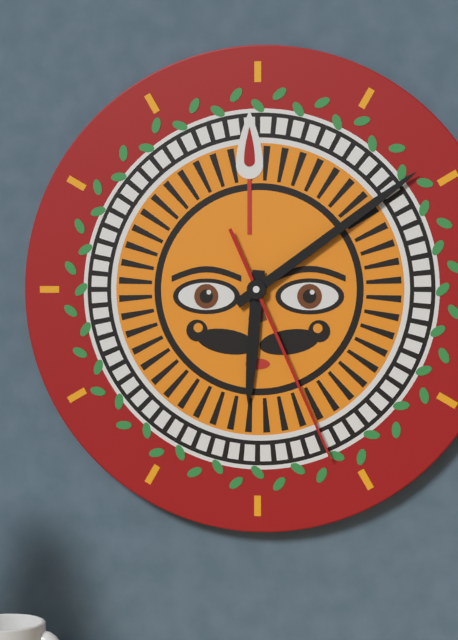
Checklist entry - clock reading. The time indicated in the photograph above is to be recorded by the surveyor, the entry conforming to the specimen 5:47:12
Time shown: 6:09:26
